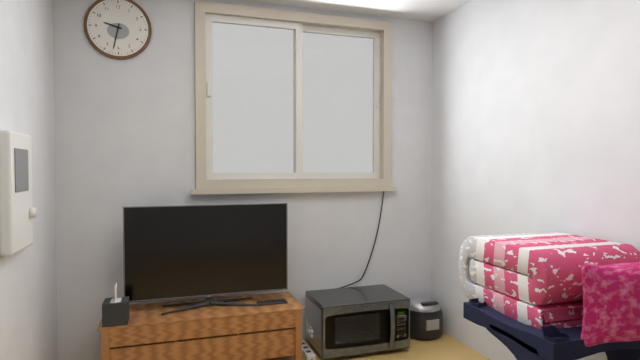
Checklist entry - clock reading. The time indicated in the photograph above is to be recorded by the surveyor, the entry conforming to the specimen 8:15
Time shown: 9:32
